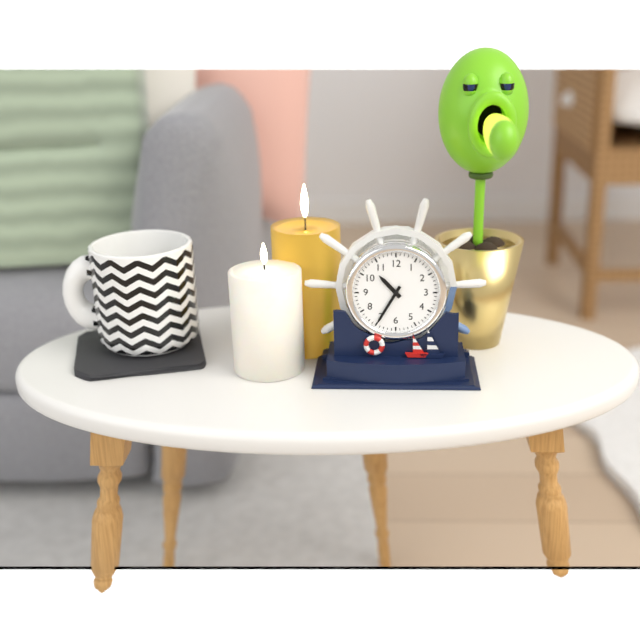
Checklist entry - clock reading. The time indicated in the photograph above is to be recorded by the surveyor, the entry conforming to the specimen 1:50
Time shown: 10:35
